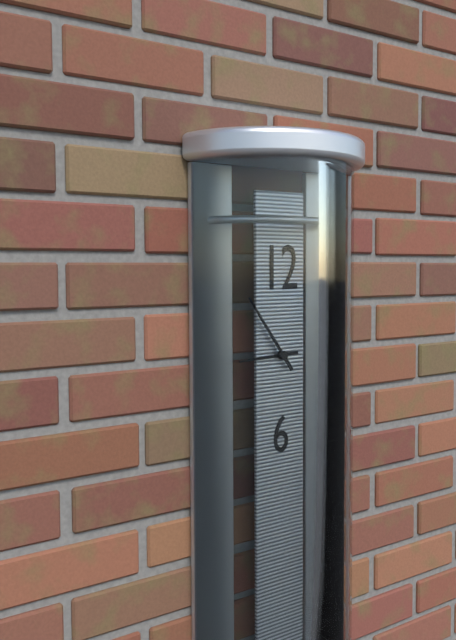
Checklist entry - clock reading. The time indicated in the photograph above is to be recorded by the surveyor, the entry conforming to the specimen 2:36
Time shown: 8:54
